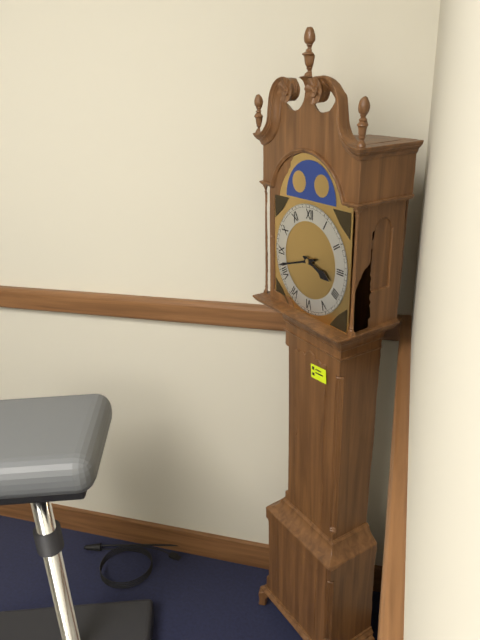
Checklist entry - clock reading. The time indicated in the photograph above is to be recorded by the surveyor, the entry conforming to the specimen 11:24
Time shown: 3:42
